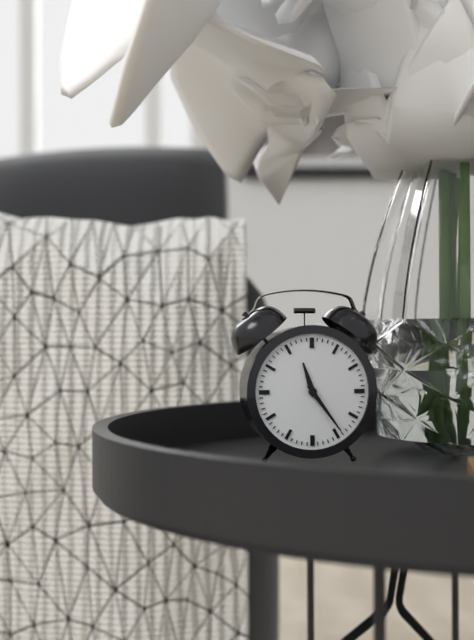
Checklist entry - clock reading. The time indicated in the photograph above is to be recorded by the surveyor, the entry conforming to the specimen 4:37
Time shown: 11:24
